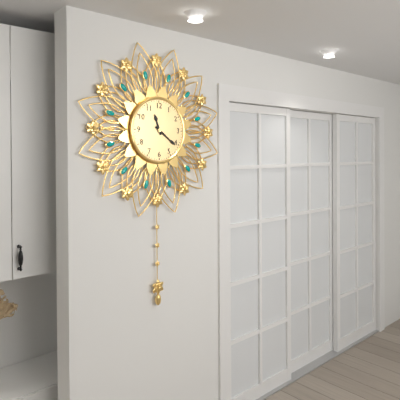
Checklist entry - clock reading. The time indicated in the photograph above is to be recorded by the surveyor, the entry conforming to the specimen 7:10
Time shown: 11:21
